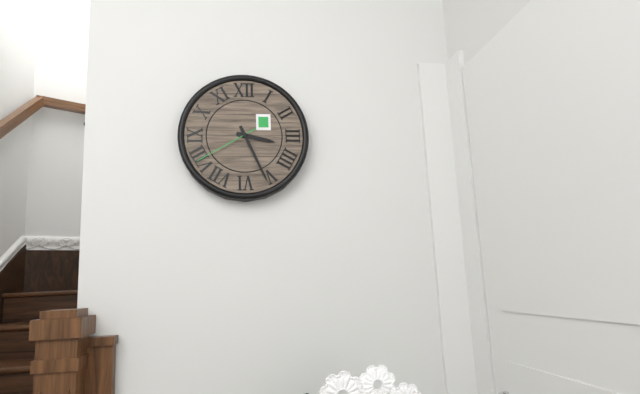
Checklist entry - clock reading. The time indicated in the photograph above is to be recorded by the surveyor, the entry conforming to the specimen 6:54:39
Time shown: 3:26:40
